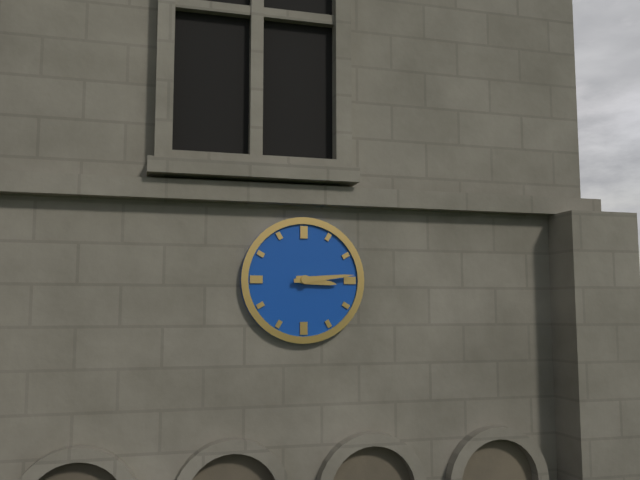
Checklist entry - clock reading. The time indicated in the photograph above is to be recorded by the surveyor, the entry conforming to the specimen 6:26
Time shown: 3:14
